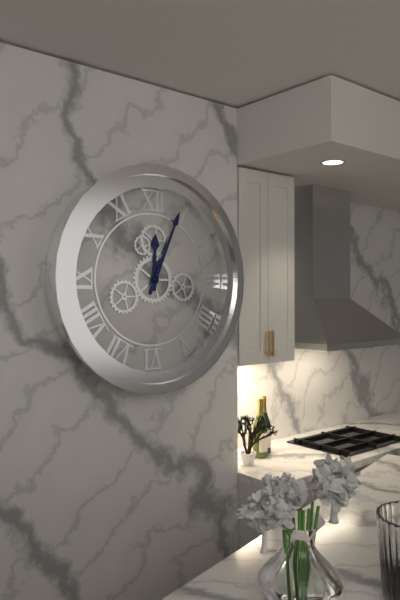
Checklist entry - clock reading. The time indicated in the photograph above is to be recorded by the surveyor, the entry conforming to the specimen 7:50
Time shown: 12:04
